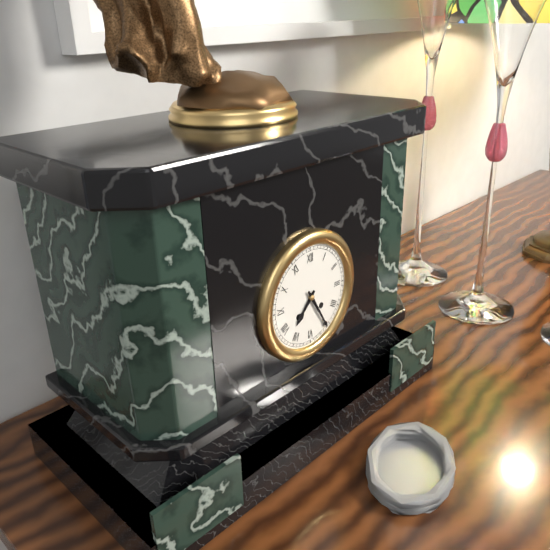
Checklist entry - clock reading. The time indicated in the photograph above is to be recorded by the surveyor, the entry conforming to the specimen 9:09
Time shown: 7:25
